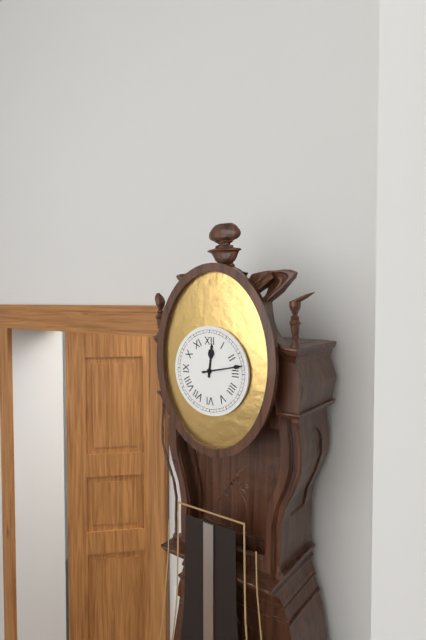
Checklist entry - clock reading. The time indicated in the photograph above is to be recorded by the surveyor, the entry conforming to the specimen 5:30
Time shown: 12:13
